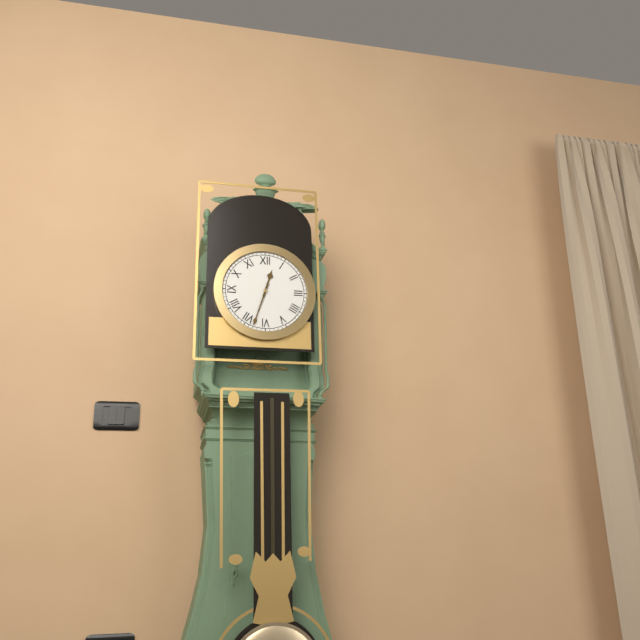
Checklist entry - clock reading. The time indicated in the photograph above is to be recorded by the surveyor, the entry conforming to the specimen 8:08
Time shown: 12:33
